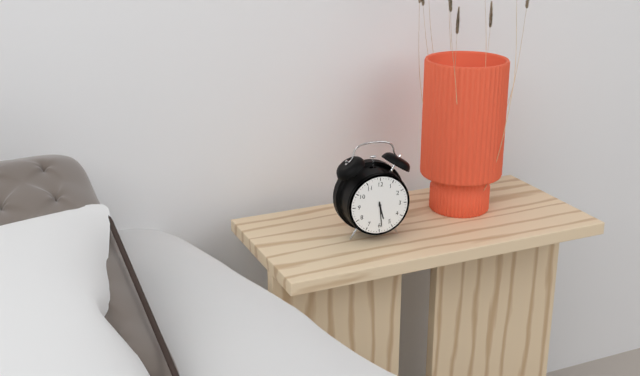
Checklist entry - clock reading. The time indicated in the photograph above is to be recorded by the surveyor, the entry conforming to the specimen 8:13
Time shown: 5:29
